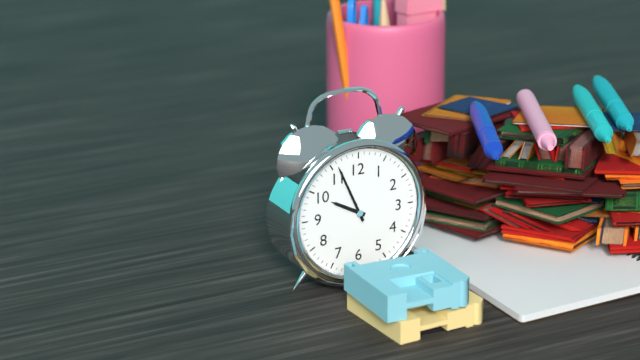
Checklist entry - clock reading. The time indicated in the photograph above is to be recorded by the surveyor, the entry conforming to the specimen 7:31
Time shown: 9:56
